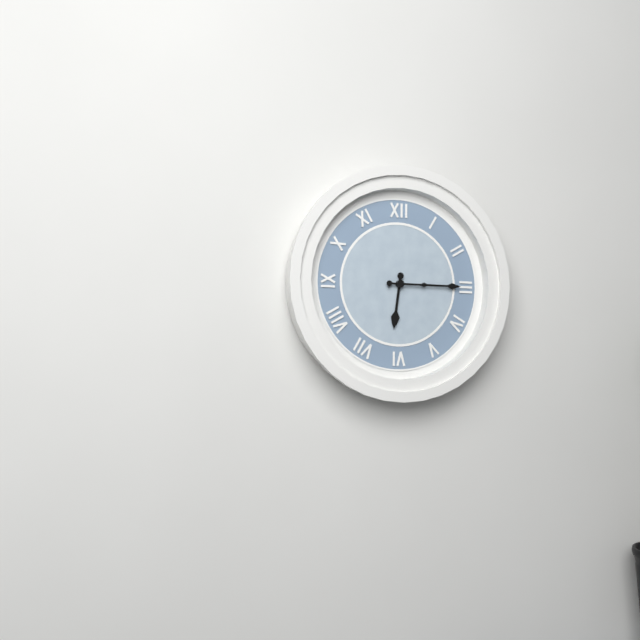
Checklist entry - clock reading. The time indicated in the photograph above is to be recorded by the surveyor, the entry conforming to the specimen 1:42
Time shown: 6:15
